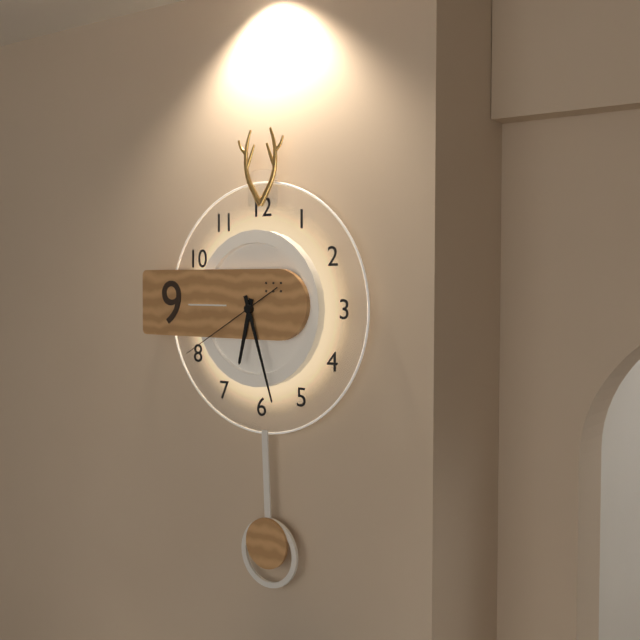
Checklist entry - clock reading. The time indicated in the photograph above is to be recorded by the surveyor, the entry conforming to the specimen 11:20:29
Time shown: 6:27:40
